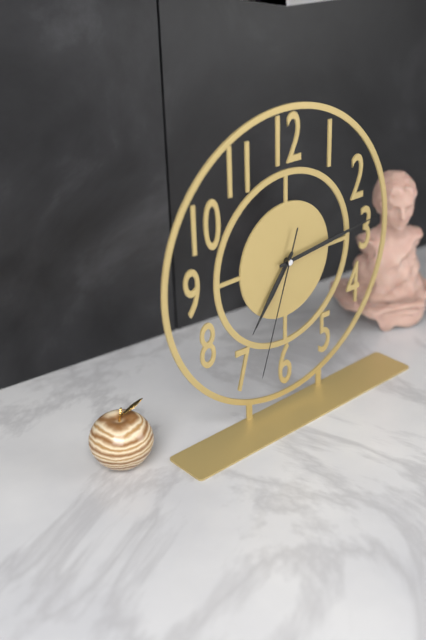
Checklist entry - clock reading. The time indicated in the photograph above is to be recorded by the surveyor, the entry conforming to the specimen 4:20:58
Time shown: 7:14:33
